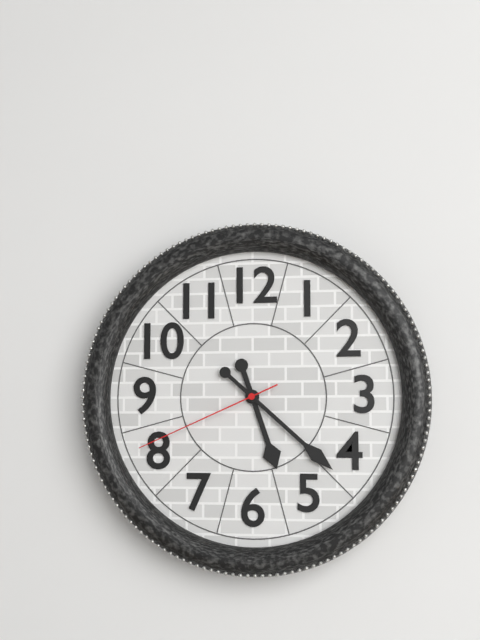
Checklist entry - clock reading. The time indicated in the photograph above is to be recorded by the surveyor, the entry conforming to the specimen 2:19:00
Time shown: 5:22:41
